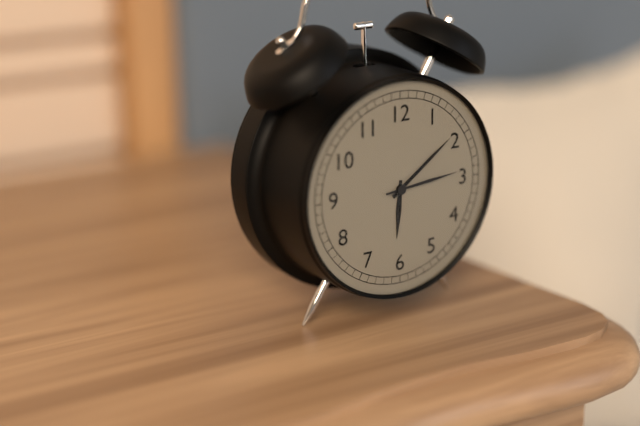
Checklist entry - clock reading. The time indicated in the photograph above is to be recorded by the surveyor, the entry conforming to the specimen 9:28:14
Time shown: 6:09:14
